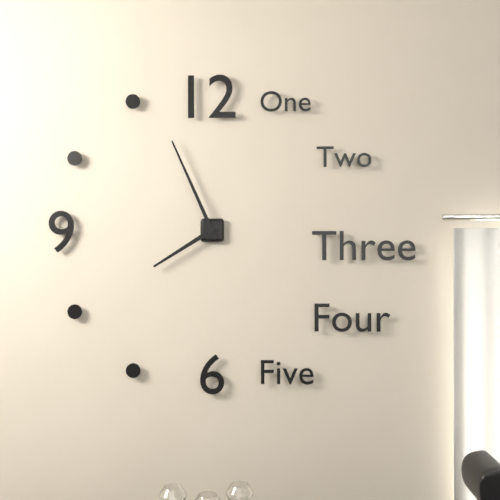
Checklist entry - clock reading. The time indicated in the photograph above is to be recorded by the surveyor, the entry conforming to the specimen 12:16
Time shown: 7:56
